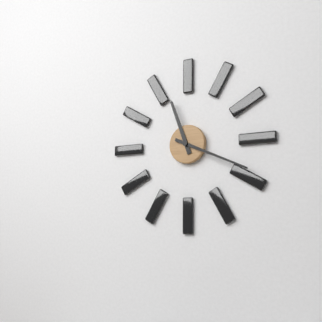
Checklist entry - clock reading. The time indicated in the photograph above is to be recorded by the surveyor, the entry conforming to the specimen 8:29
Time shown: 11:19
